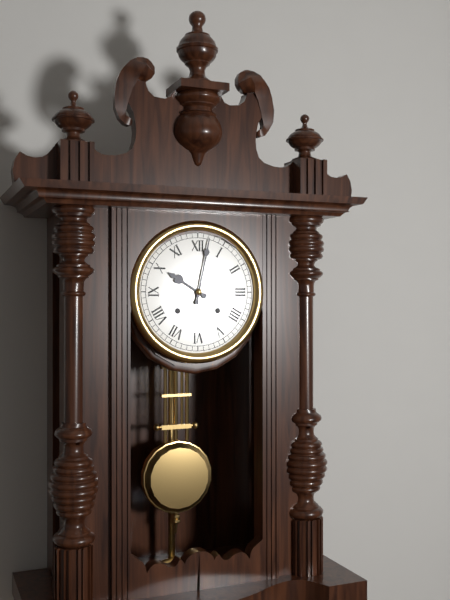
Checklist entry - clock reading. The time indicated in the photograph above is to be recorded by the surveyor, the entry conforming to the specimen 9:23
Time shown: 10:02
